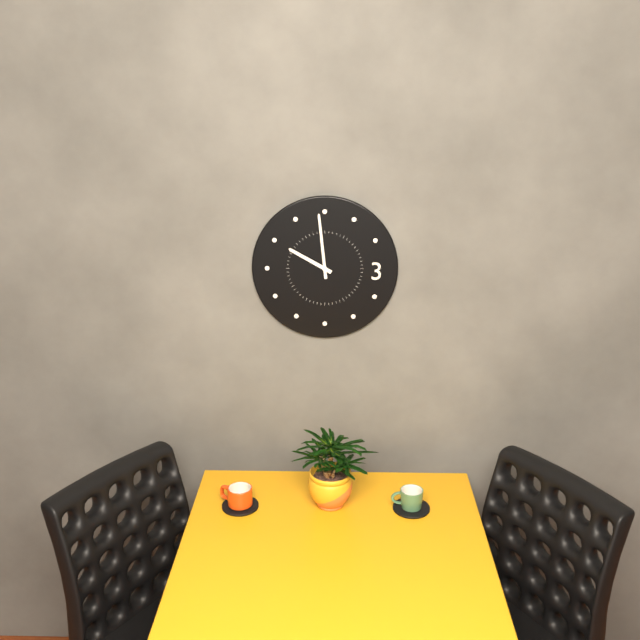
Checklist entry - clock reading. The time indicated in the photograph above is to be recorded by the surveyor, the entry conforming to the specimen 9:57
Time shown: 9:59
